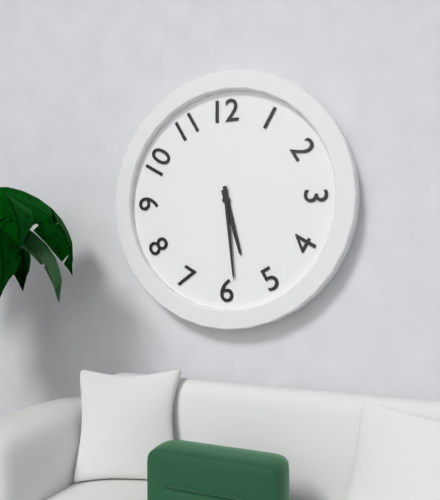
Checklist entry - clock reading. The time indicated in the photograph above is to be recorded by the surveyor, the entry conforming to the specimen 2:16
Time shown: 5:29
